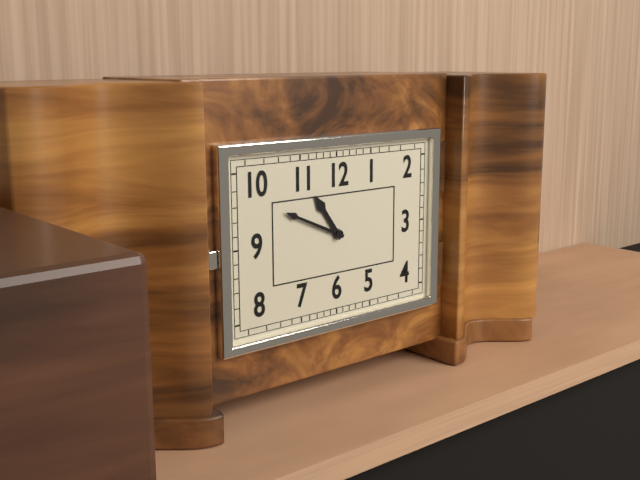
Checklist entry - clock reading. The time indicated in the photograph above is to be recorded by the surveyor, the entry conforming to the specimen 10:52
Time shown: 10:49
